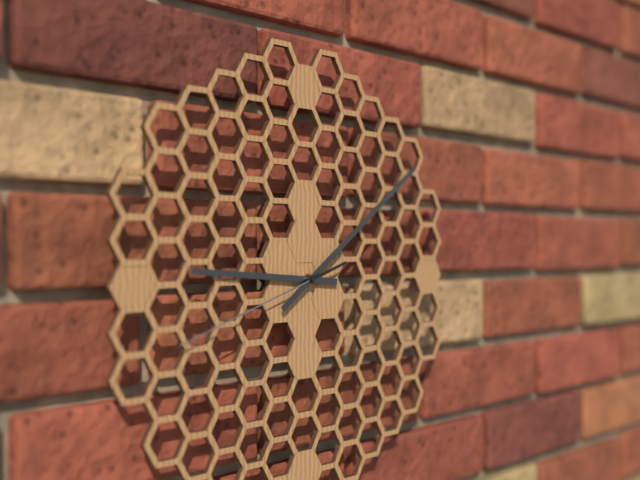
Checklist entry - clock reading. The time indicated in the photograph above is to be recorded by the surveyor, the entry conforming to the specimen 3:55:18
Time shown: 9:09:42
